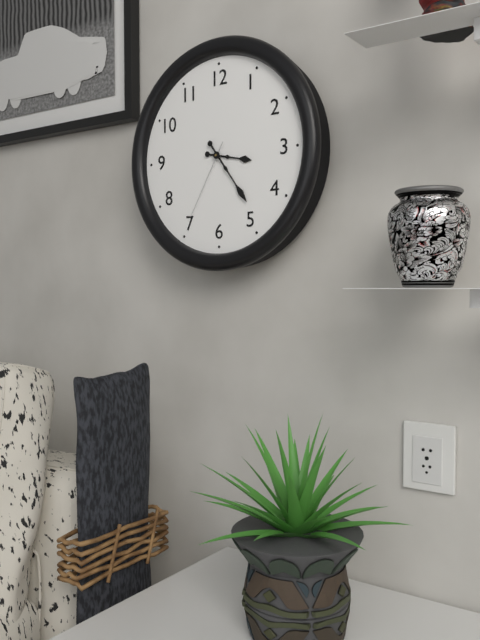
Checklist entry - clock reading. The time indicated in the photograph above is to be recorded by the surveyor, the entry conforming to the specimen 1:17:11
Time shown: 3:24:35
